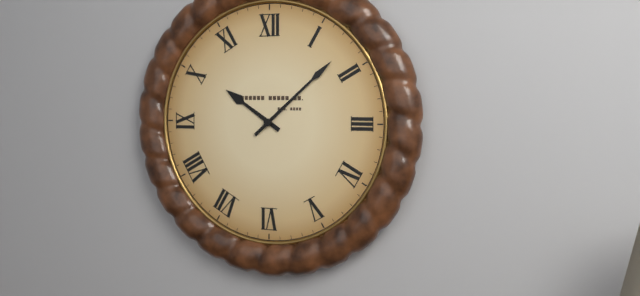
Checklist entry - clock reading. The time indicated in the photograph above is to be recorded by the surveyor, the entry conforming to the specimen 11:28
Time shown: 10:08
